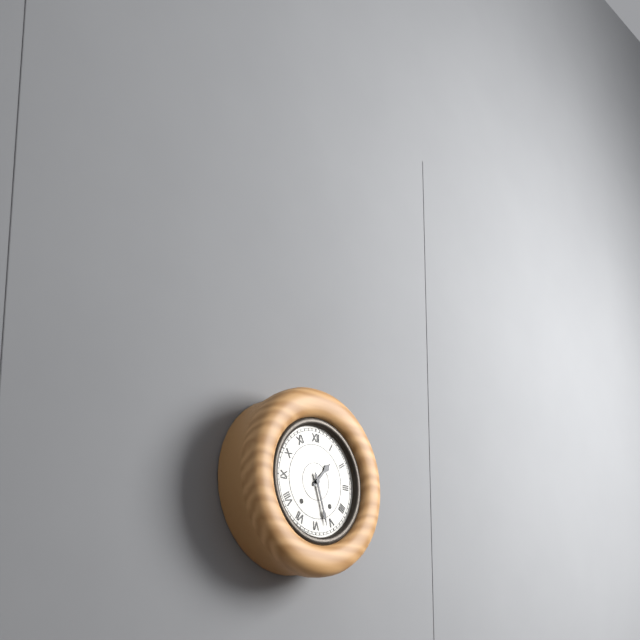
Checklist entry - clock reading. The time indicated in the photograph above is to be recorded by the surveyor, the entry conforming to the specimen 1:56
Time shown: 1:27
